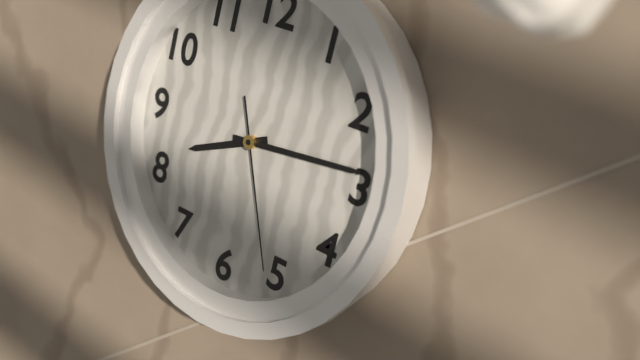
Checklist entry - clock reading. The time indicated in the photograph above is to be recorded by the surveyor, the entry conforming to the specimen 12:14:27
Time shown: 8:14:26
